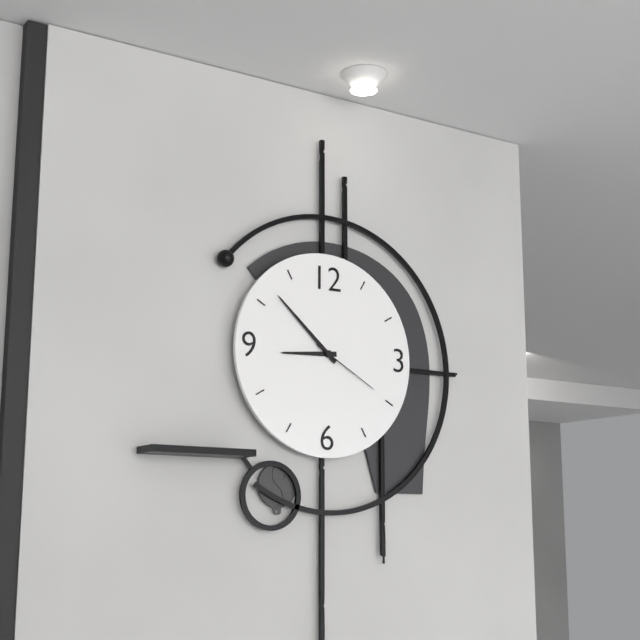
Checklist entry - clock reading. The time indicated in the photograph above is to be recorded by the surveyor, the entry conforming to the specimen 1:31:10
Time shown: 8:52:20
